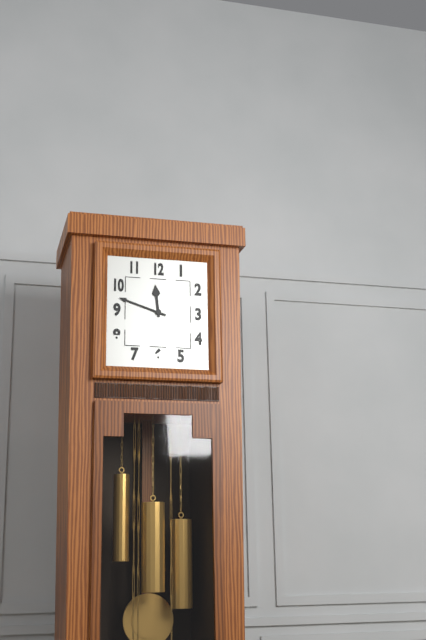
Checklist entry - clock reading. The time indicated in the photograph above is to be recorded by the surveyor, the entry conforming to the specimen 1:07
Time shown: 11:48
